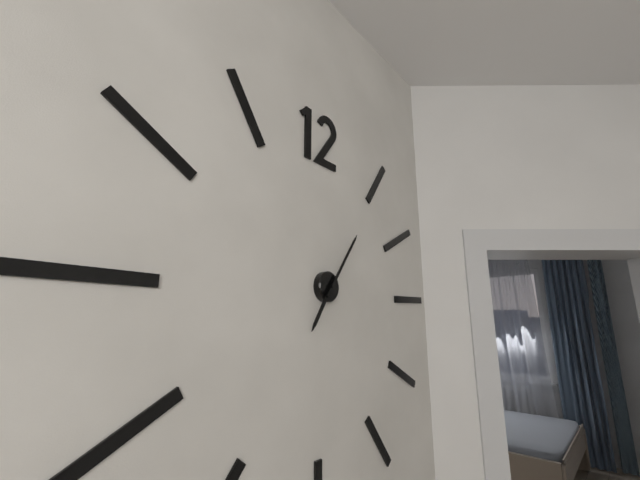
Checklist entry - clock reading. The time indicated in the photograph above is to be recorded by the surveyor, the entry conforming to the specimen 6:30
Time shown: 7:06
